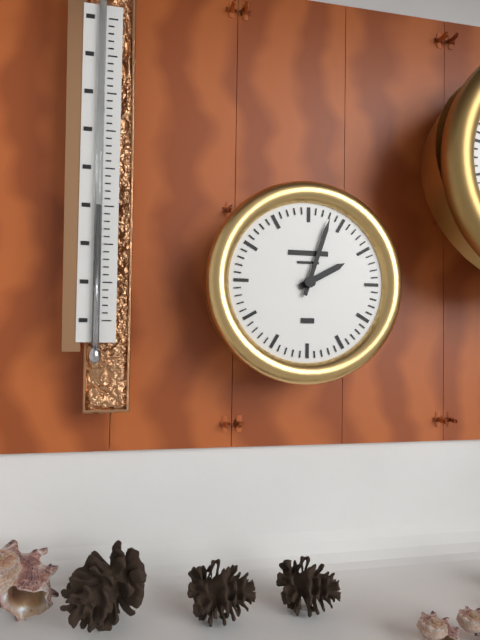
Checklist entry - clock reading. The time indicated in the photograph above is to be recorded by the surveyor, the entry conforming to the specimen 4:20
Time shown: 2:03
